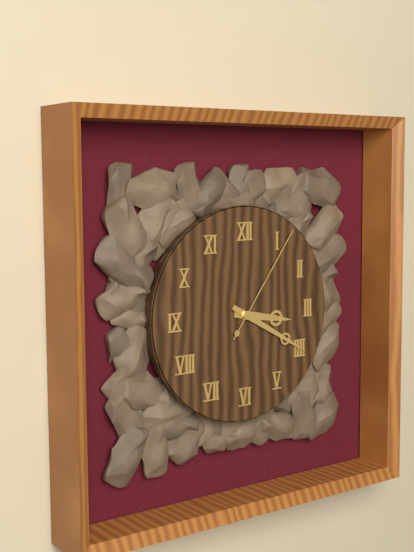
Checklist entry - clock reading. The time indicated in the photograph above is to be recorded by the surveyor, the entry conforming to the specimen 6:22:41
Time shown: 3:20:06
